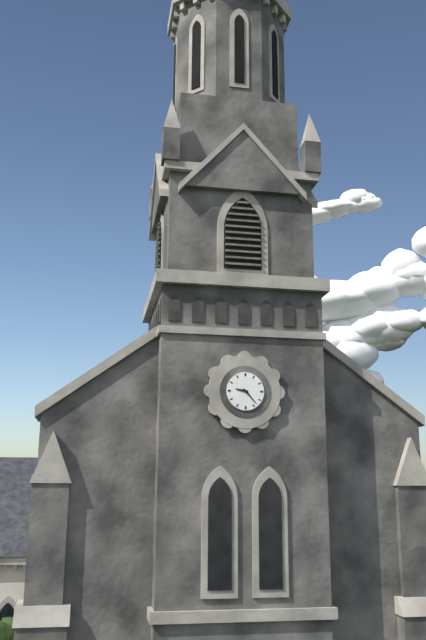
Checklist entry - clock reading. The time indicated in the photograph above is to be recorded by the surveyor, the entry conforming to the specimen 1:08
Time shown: 9:23
